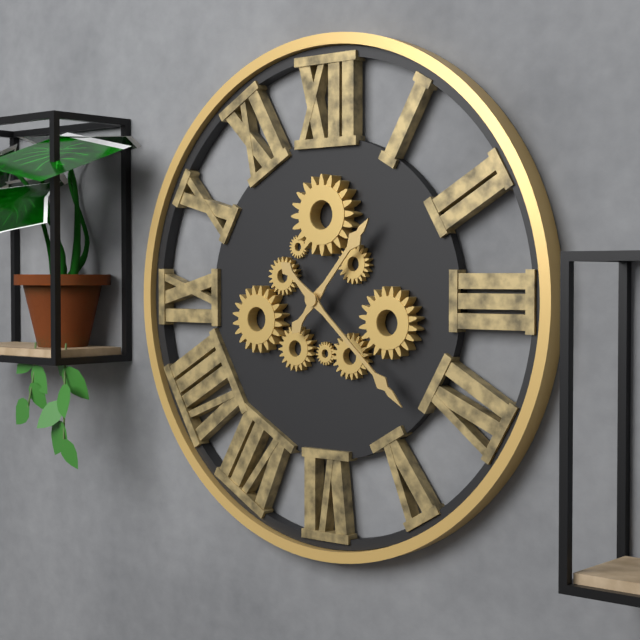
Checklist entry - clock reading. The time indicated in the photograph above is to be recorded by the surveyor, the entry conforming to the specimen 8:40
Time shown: 1:22
